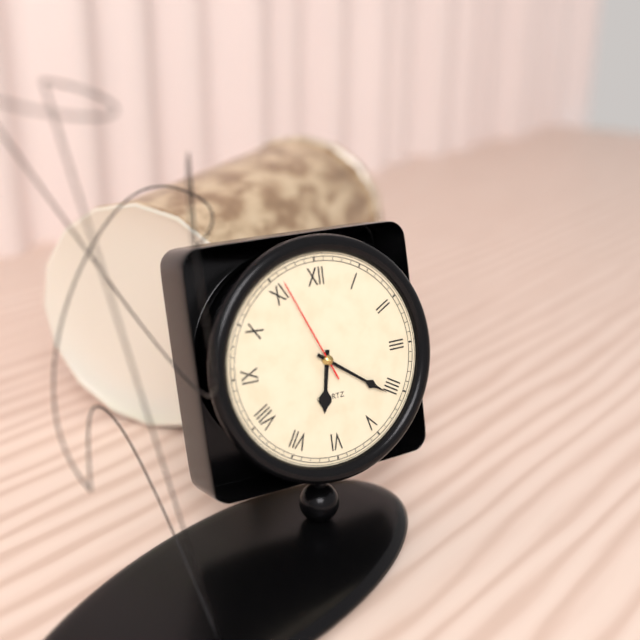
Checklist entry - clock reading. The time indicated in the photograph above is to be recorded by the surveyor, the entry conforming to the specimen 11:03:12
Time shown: 6:21:56
